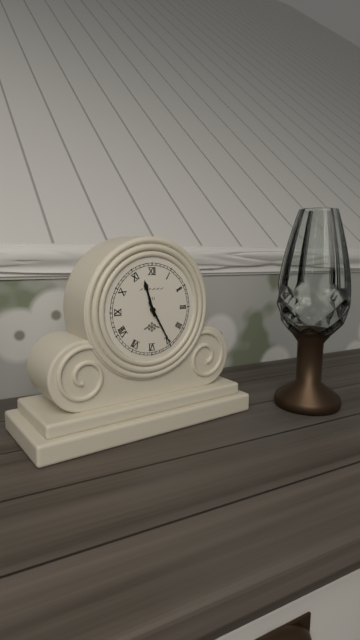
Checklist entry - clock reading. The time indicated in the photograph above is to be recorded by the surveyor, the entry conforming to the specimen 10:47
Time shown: 11:25
